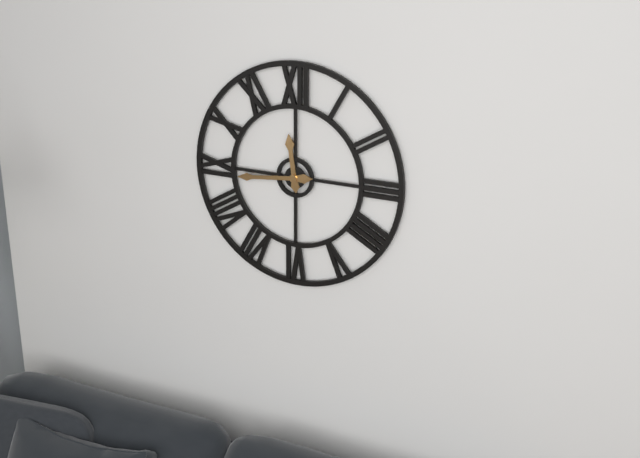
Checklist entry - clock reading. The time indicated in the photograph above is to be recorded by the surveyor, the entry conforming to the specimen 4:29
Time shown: 11:44
